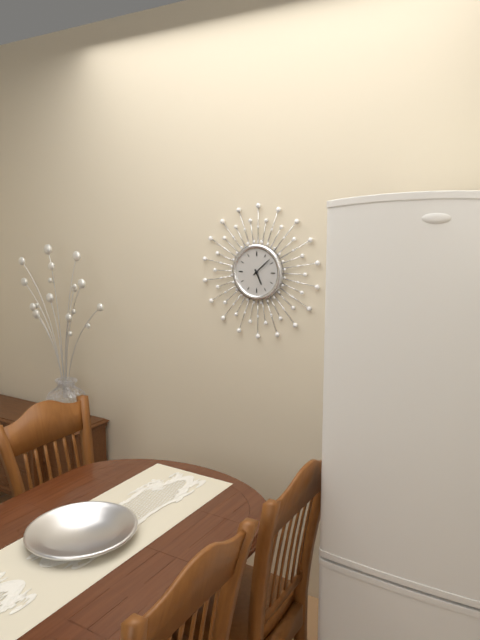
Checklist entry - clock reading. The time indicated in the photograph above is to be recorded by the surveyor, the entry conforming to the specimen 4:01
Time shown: 5:08
